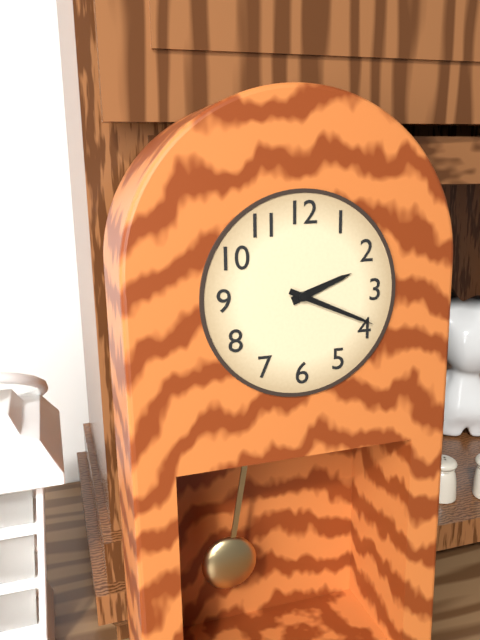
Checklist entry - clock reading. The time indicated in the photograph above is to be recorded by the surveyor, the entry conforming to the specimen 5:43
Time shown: 2:19
